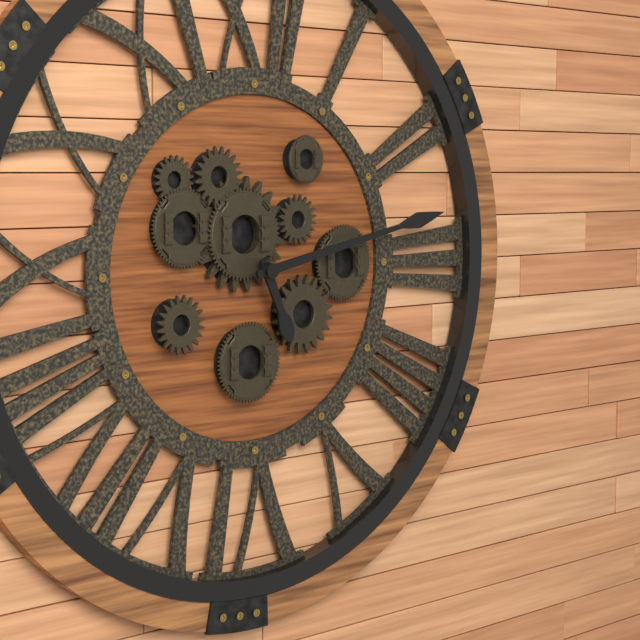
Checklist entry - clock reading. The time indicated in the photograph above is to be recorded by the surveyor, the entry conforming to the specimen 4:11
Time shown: 5:13
